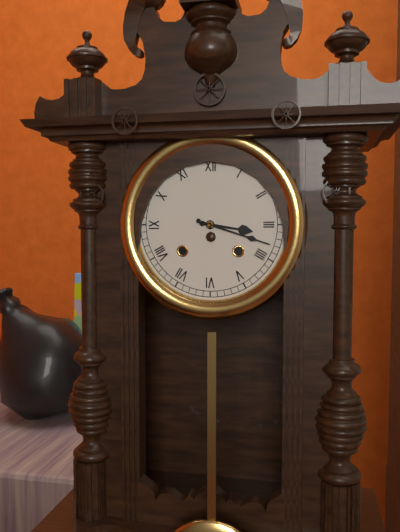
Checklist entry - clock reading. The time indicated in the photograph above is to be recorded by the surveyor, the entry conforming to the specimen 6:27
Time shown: 3:18
